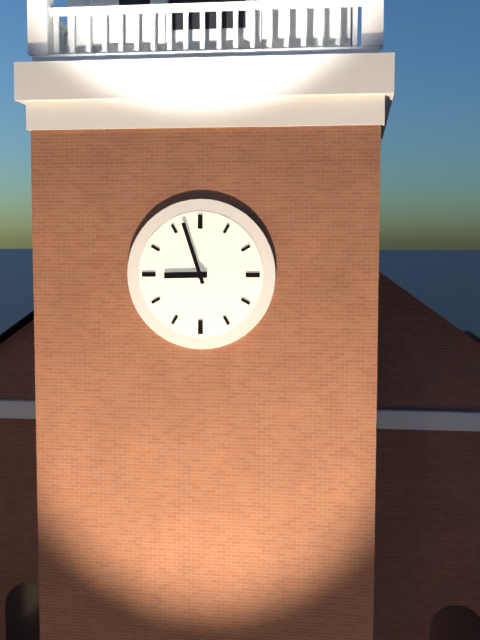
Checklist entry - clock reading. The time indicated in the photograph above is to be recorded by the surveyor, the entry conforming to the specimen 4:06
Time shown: 8:57
